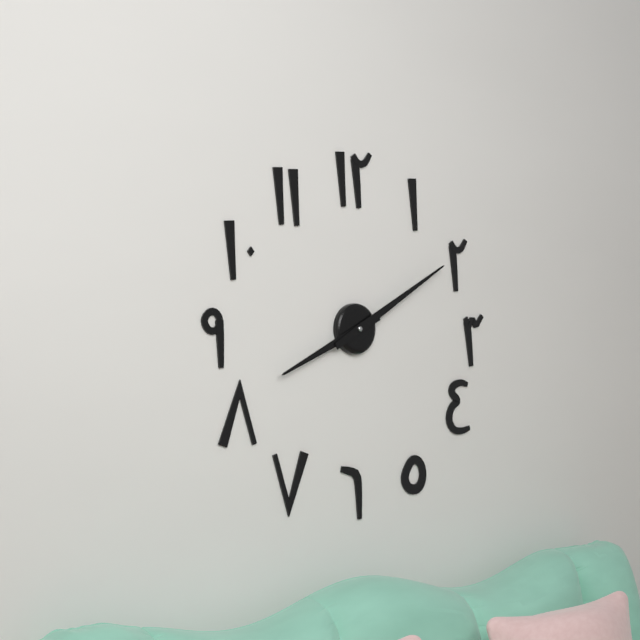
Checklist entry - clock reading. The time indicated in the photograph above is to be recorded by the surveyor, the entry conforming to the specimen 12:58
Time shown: 8:10
